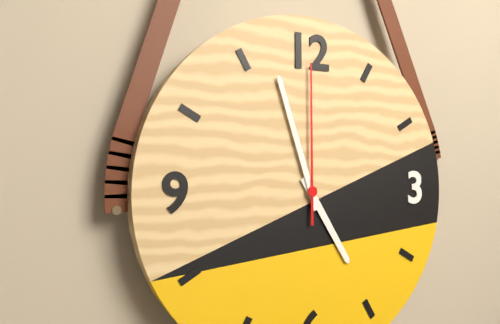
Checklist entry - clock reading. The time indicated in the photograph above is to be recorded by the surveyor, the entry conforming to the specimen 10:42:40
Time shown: 4:57:00
